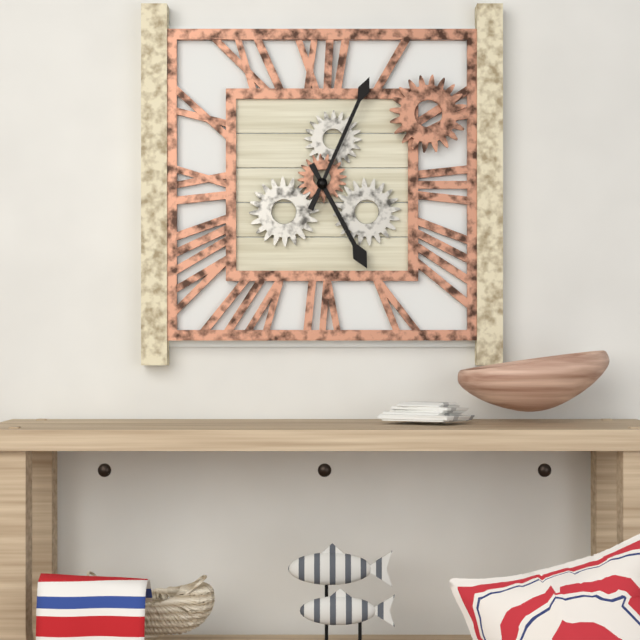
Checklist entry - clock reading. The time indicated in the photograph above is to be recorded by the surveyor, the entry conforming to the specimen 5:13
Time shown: 5:04
